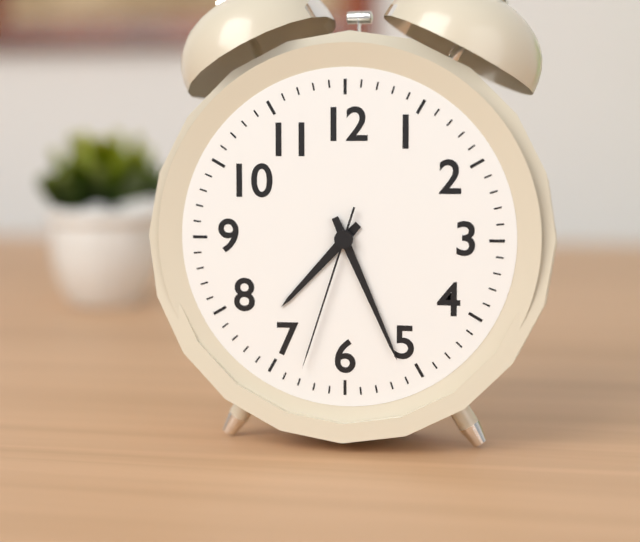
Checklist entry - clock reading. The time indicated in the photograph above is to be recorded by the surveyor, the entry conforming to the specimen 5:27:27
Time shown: 7:26:33
